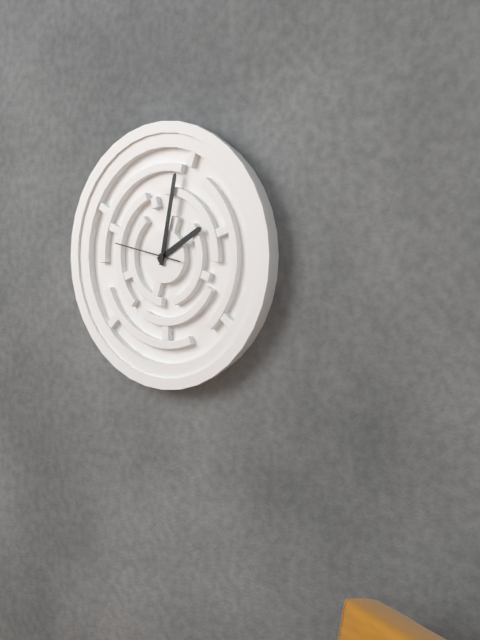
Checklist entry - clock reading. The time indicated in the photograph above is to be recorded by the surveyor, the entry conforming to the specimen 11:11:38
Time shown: 2:02:47
